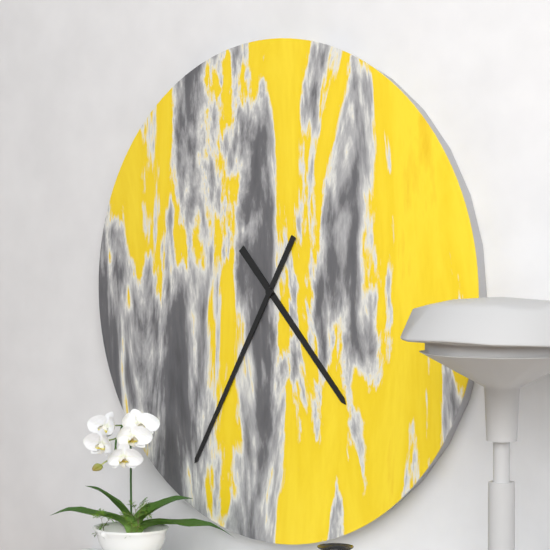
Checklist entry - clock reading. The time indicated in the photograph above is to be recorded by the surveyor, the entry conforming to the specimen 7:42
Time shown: 4:35
